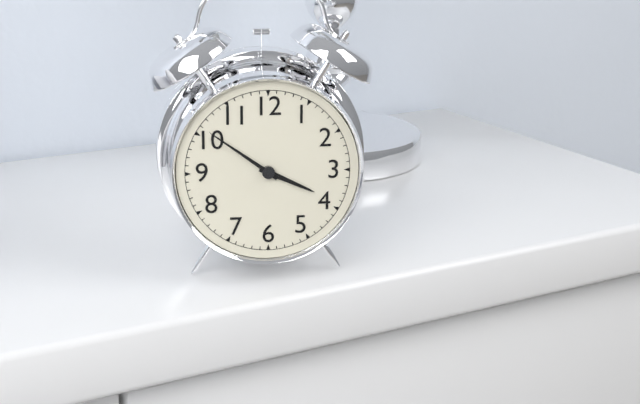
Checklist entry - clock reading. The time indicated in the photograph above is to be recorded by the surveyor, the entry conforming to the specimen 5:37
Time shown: 3:51
